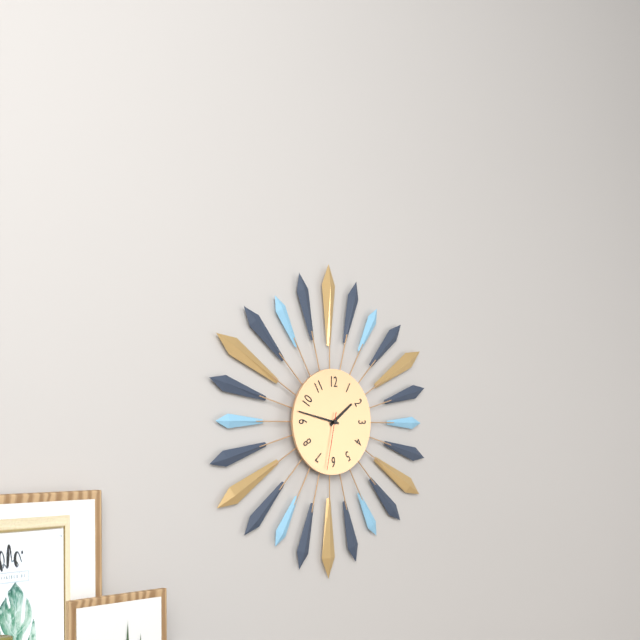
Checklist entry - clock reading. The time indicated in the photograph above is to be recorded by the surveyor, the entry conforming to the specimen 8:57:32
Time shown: 1:47:32
